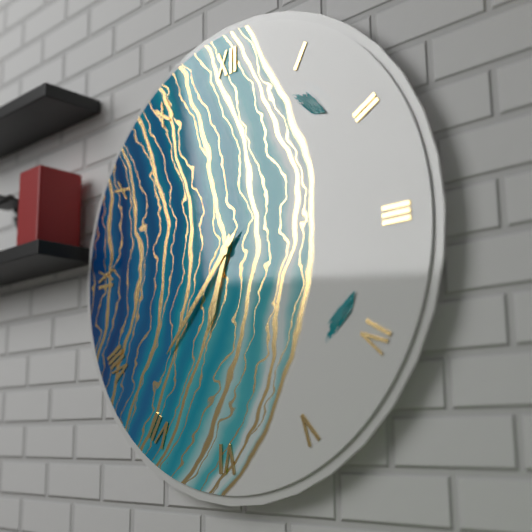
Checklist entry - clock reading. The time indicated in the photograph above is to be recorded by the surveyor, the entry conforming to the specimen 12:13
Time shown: 6:37
